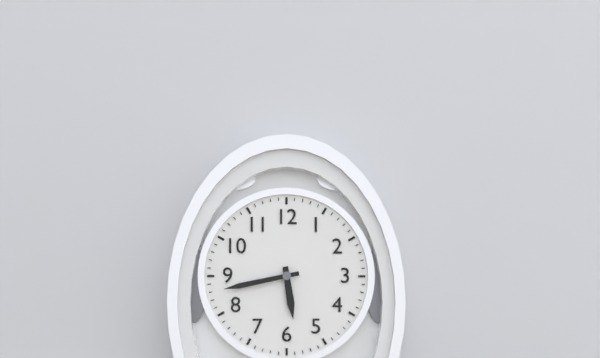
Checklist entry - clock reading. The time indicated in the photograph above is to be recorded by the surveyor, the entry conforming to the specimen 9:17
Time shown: 5:43
